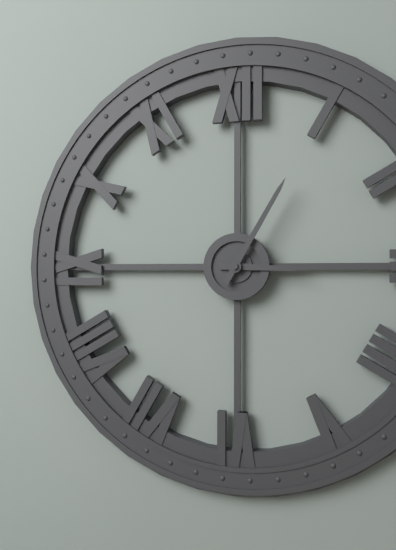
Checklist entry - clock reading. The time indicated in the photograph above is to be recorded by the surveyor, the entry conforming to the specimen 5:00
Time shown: 3:05
